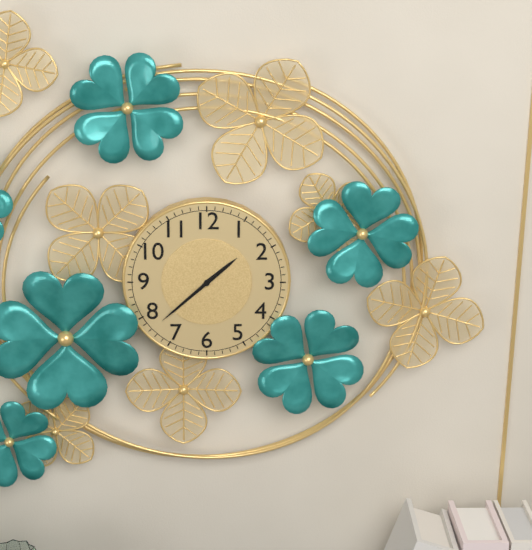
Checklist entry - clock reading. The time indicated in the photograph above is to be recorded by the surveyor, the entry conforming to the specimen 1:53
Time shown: 1:38
